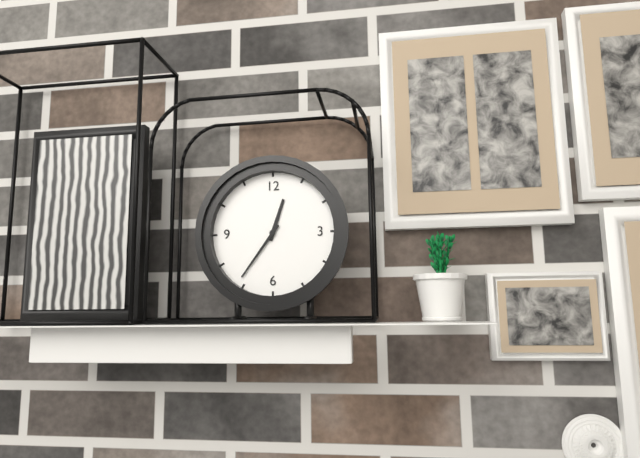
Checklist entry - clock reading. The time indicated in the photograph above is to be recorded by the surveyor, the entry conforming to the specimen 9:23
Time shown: 12:36
